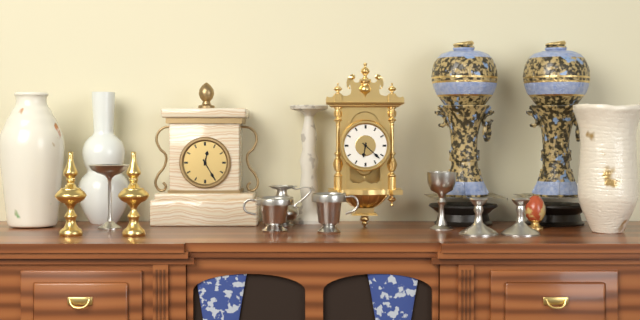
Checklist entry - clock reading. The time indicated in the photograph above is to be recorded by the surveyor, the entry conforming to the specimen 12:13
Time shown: 6:22
